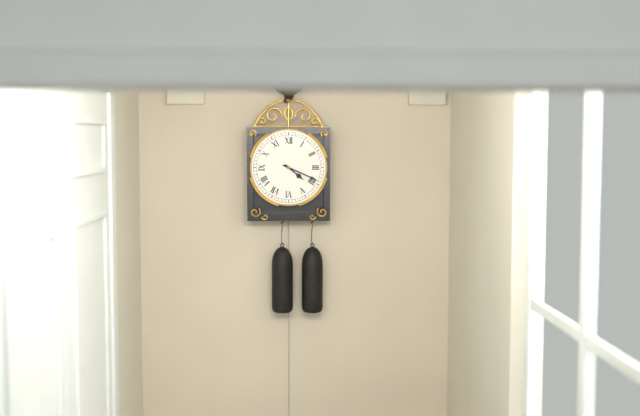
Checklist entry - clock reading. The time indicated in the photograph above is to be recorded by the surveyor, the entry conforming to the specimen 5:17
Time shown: 4:19
